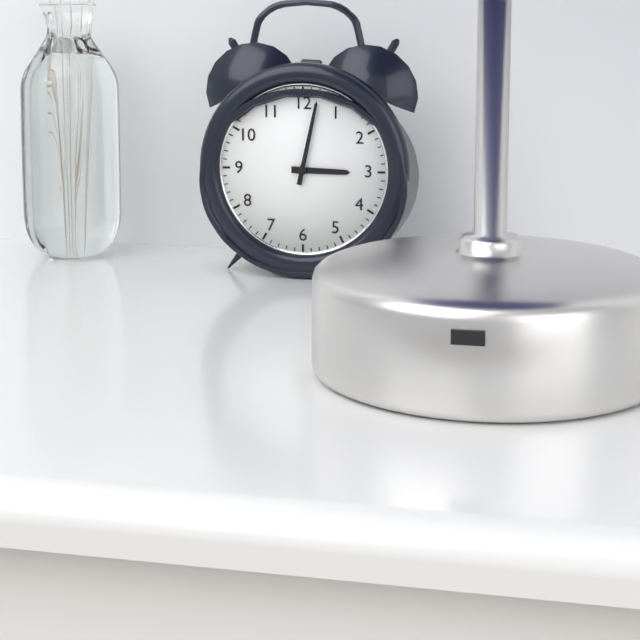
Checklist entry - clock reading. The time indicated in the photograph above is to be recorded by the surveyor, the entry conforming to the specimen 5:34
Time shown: 3:02
